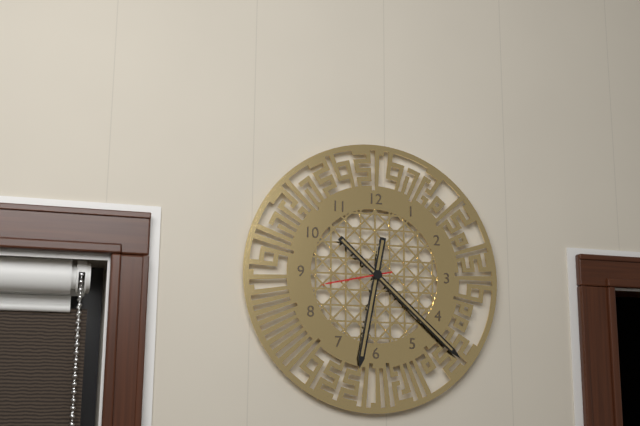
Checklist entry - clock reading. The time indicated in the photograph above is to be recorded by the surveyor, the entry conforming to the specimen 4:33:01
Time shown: 6:22:43
